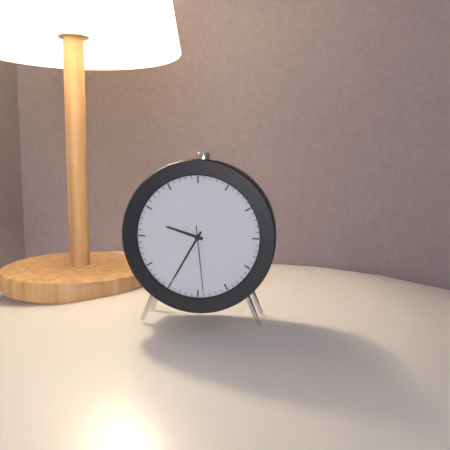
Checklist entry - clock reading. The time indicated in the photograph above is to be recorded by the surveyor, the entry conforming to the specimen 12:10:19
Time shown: 9:35:29
